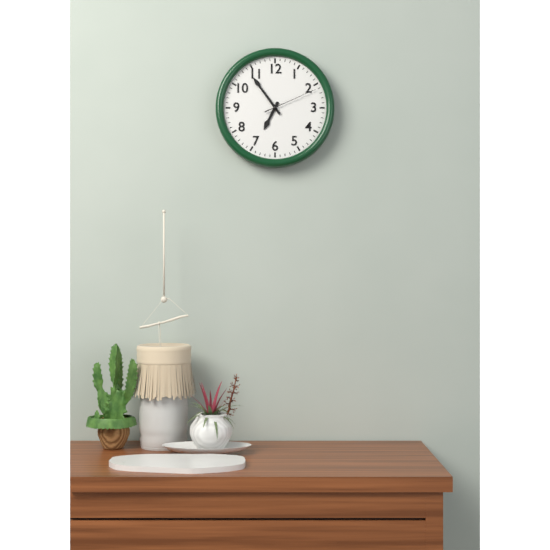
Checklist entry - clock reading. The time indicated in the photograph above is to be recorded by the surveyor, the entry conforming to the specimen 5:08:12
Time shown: 6:54:11
